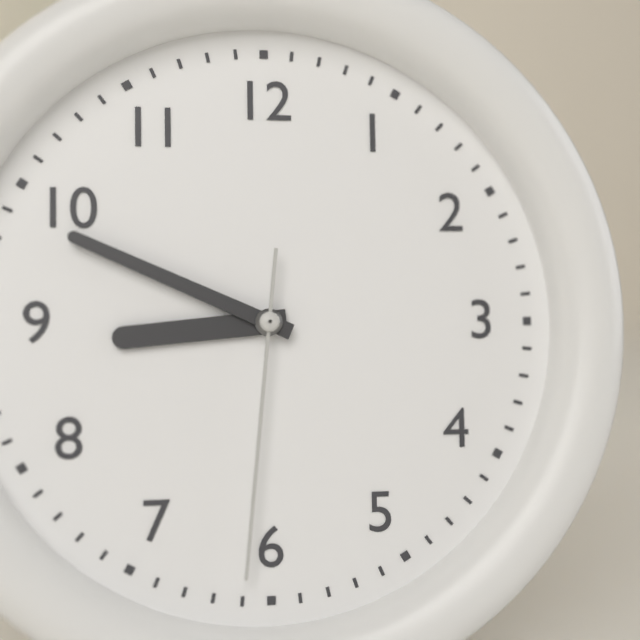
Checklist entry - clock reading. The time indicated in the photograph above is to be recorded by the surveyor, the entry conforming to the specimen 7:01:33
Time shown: 8:49:31
